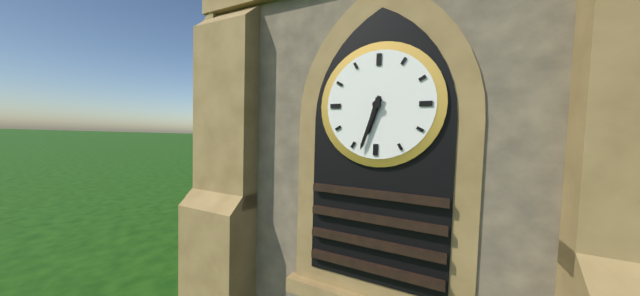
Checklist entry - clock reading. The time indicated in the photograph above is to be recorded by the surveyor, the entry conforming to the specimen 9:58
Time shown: 6:33
